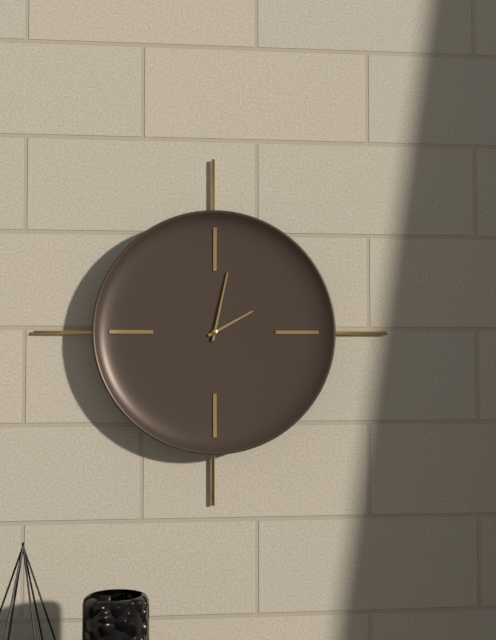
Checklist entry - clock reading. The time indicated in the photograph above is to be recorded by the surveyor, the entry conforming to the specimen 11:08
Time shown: 2:02
